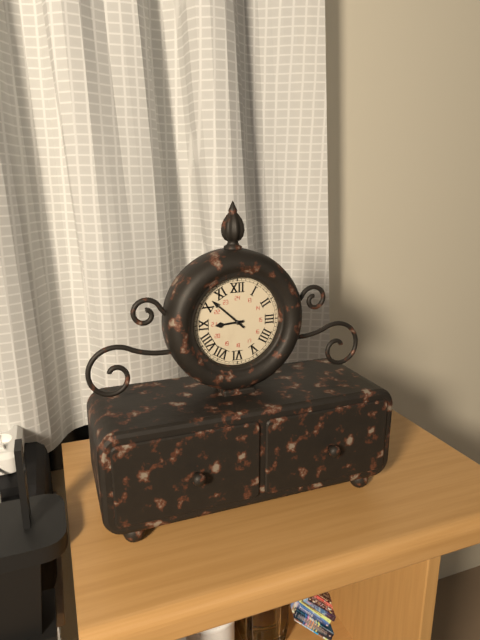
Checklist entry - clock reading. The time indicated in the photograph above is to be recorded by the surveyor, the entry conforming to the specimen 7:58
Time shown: 8:52
